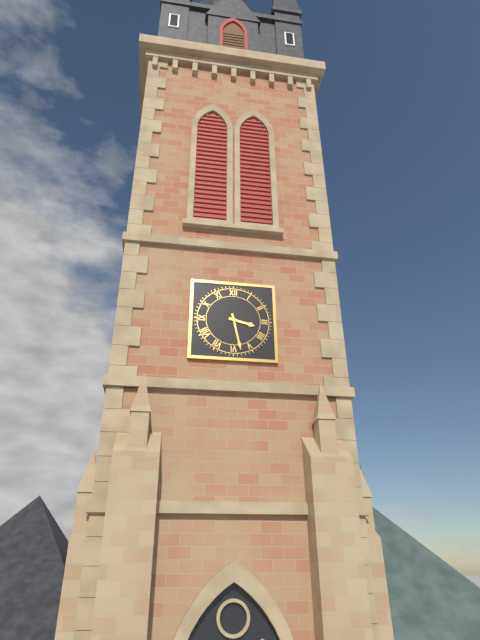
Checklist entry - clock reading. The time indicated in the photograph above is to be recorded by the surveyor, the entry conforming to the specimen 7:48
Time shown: 3:28
